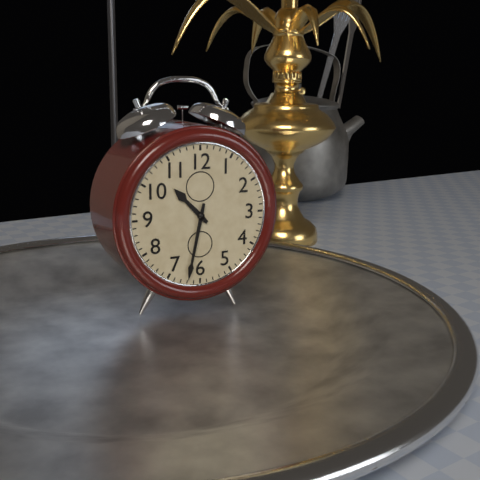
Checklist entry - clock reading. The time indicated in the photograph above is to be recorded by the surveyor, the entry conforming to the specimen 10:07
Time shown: 10:32
